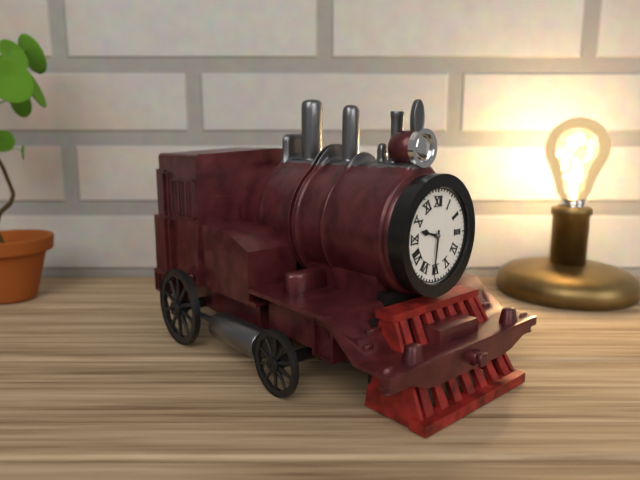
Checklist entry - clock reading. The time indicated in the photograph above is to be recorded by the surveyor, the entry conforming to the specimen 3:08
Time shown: 9:31
